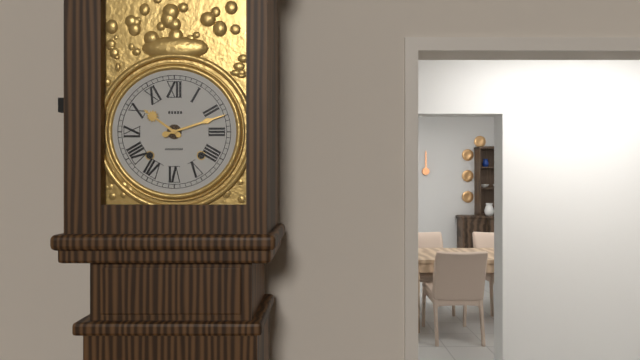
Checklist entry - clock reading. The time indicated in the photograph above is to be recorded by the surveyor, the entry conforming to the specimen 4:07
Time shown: 10:12
